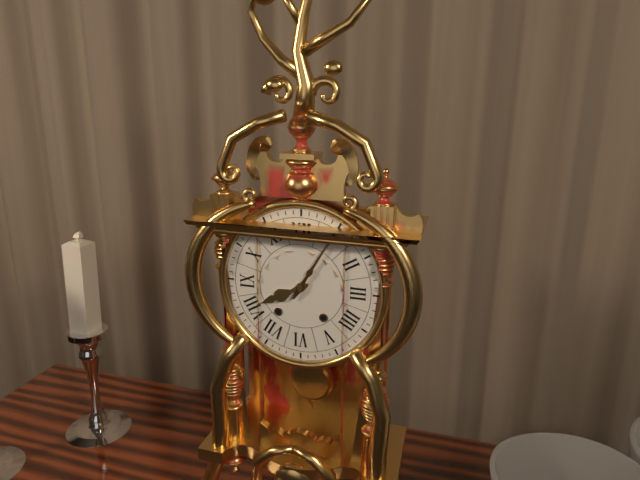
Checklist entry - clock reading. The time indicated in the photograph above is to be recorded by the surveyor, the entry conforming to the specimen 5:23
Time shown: 8:05
